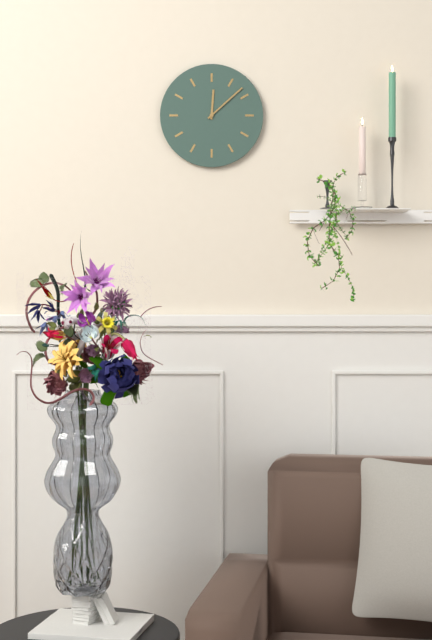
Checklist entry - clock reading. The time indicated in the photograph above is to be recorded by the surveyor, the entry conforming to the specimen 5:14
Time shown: 12:08
